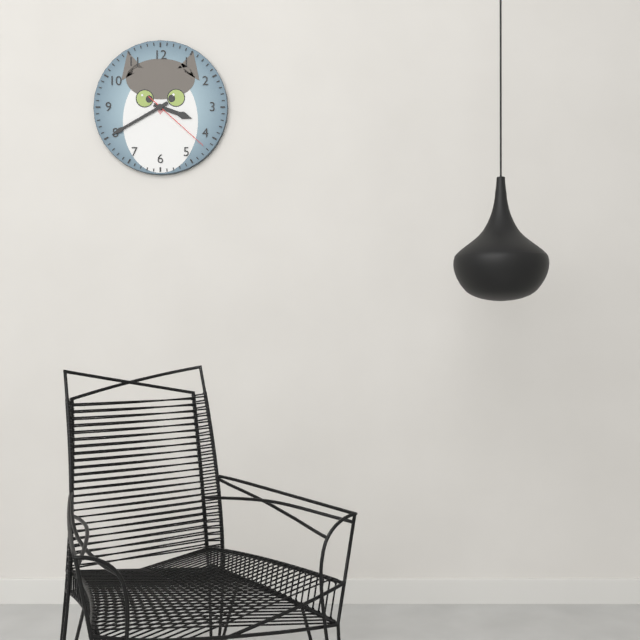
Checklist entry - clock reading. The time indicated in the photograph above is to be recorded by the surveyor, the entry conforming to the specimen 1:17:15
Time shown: 3:40:22
